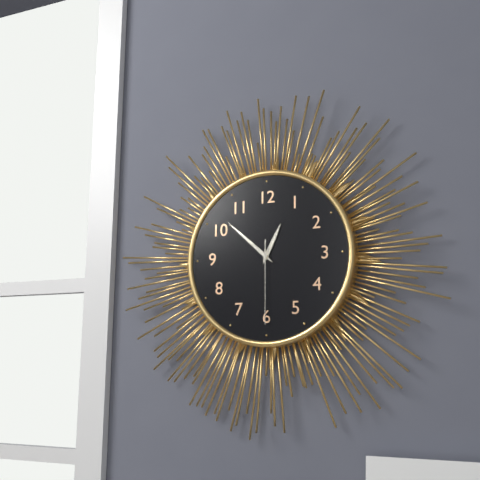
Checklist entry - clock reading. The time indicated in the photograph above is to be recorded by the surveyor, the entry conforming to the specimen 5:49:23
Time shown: 12:52:30
